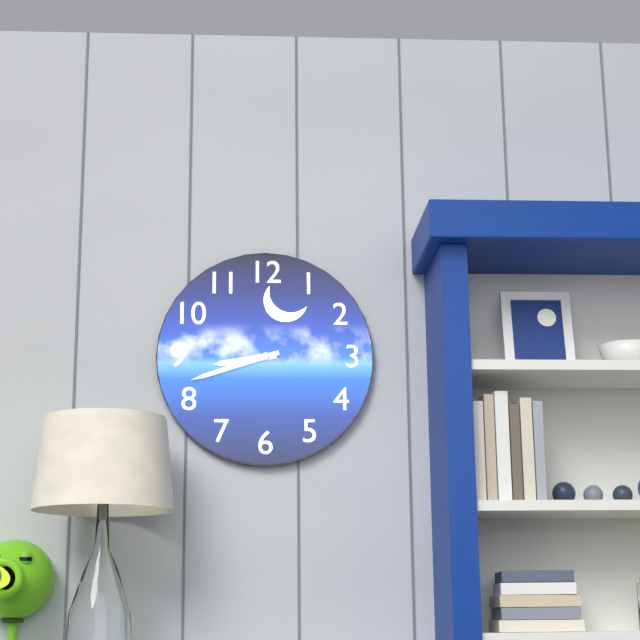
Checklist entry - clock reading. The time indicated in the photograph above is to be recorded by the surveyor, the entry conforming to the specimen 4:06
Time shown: 8:42
